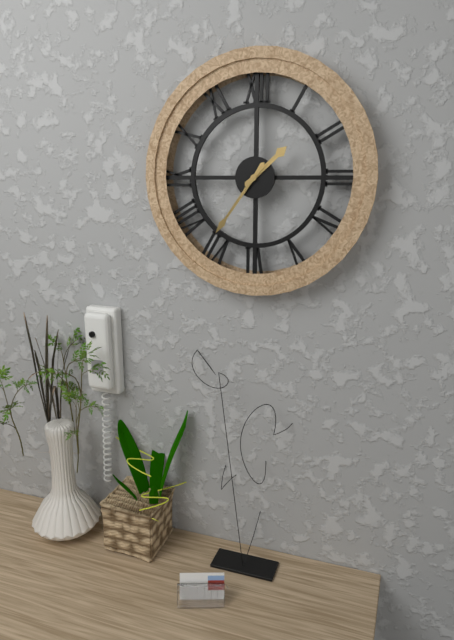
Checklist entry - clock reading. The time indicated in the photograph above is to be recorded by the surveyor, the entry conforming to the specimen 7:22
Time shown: 1:36
